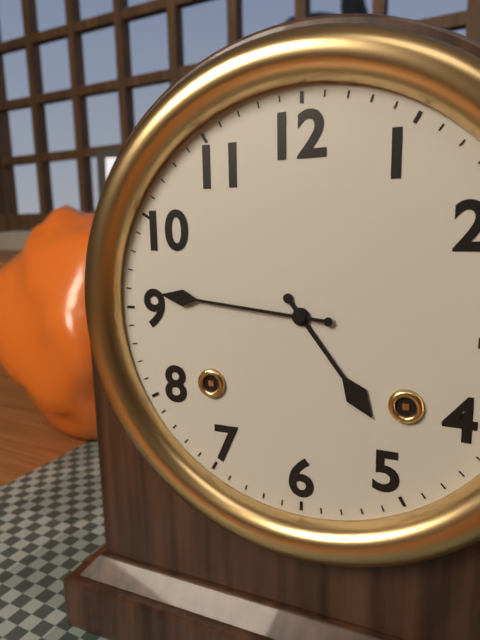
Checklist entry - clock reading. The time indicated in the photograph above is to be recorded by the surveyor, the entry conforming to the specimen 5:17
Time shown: 4:46
